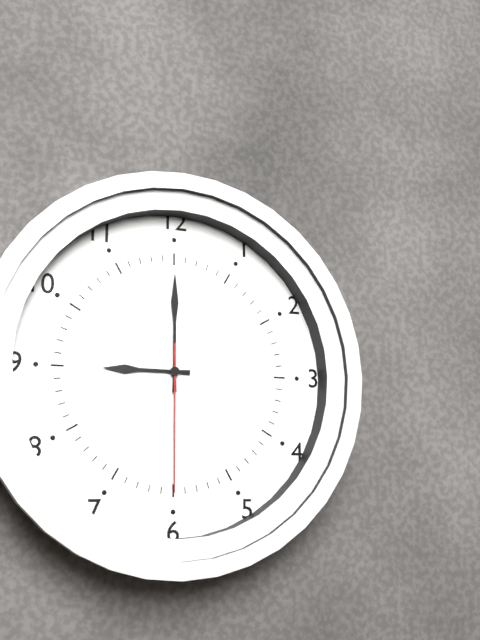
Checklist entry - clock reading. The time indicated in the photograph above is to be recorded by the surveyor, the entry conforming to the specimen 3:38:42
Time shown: 9:00:30
